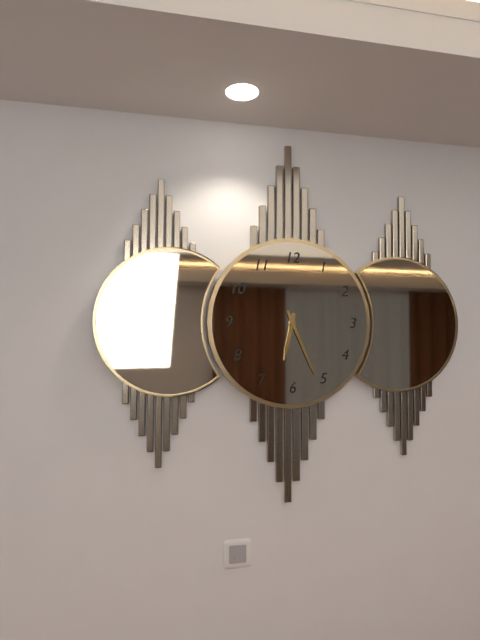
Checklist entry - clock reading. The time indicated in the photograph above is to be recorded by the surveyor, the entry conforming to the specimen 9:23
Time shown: 6:26
